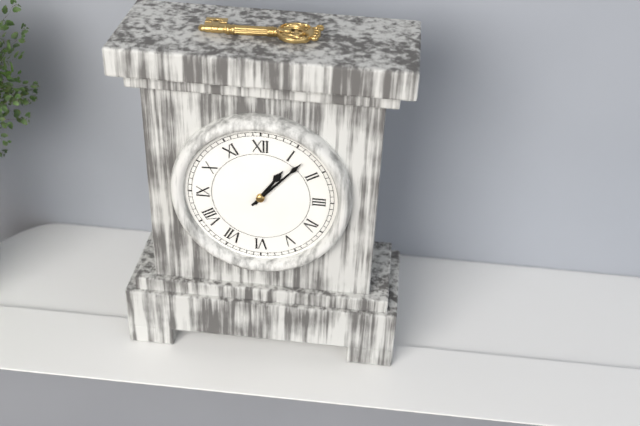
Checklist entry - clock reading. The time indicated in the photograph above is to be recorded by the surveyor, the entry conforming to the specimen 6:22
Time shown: 1:07
